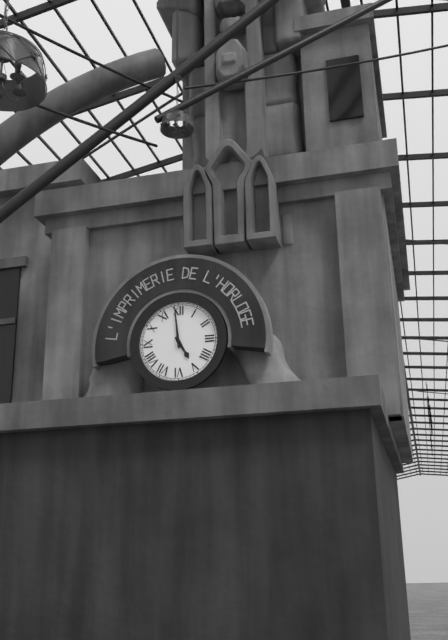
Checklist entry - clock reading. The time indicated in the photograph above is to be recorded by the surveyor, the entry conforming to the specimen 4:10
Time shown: 4:59
